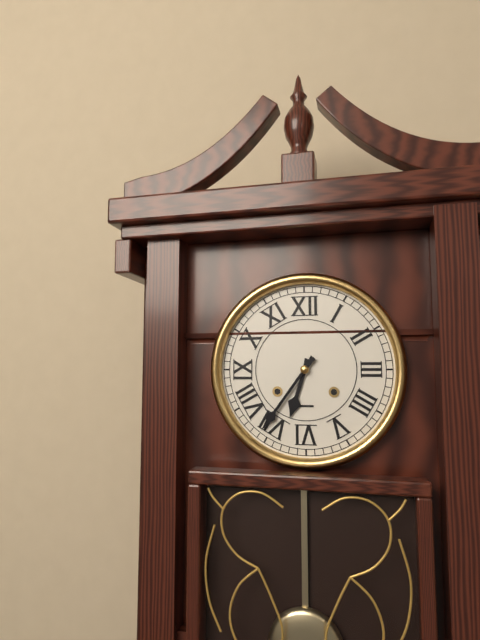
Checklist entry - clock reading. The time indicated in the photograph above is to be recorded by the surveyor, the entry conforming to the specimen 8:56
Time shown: 6:36
